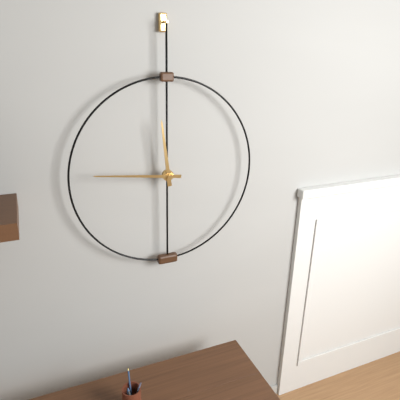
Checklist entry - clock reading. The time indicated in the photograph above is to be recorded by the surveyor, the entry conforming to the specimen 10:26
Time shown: 11:46
